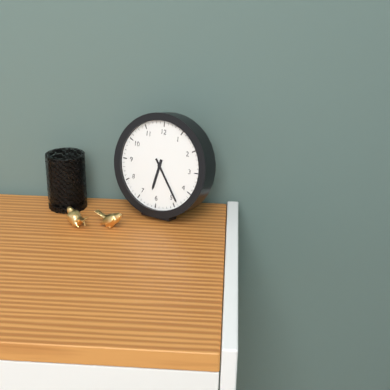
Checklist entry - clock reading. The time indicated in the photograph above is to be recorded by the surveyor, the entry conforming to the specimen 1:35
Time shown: 6:24
